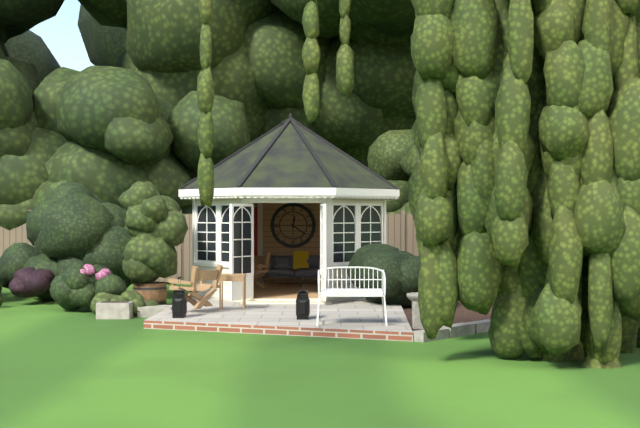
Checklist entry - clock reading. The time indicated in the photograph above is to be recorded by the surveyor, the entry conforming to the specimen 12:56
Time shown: 12:21
